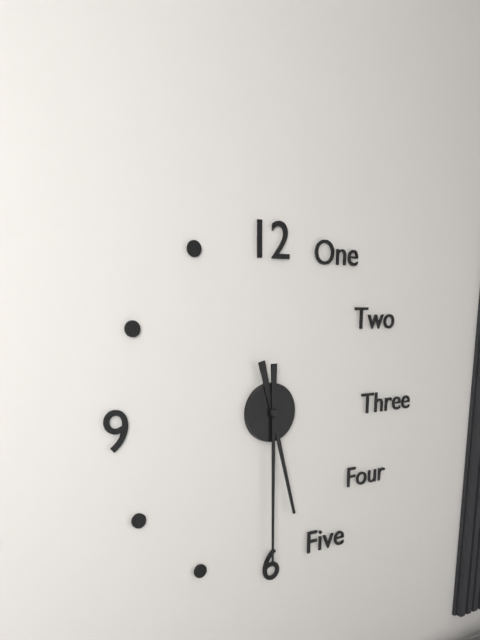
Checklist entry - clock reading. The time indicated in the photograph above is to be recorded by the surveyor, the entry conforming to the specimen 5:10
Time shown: 5:30
